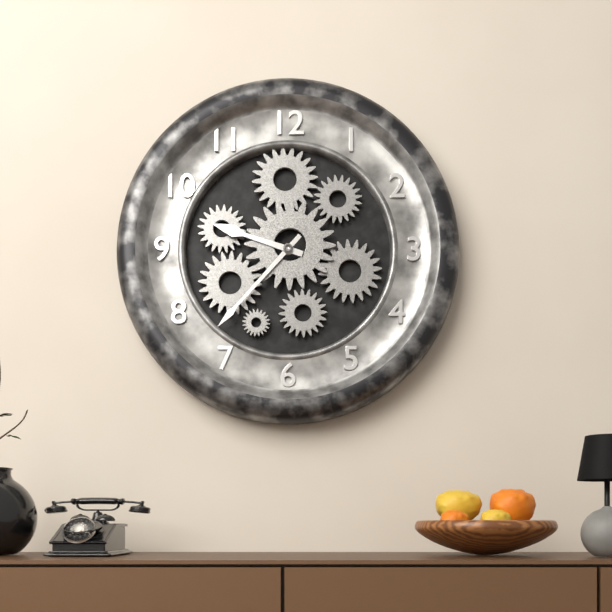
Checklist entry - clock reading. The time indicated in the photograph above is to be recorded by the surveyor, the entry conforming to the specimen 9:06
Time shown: 9:37
